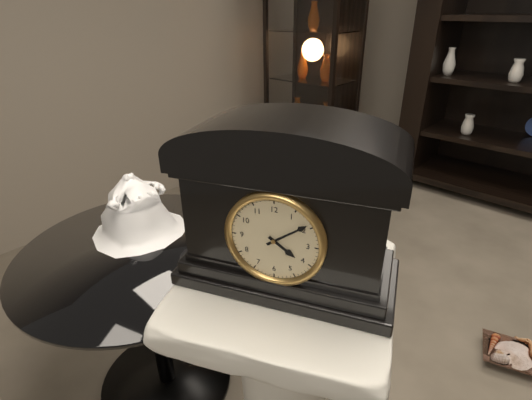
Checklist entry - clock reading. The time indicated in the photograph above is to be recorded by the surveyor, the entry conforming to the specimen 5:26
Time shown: 4:09
